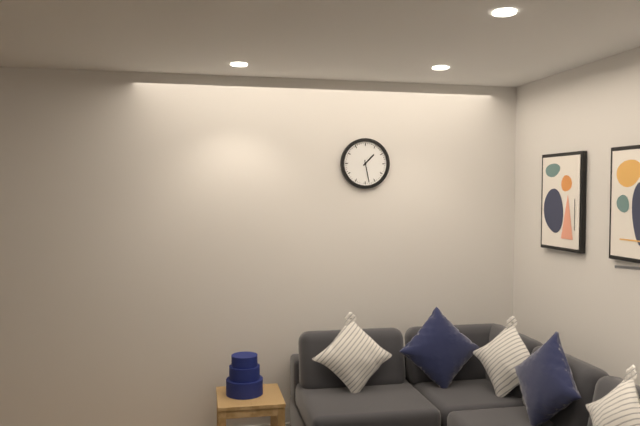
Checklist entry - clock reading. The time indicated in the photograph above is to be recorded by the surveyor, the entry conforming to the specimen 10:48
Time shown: 1:28
